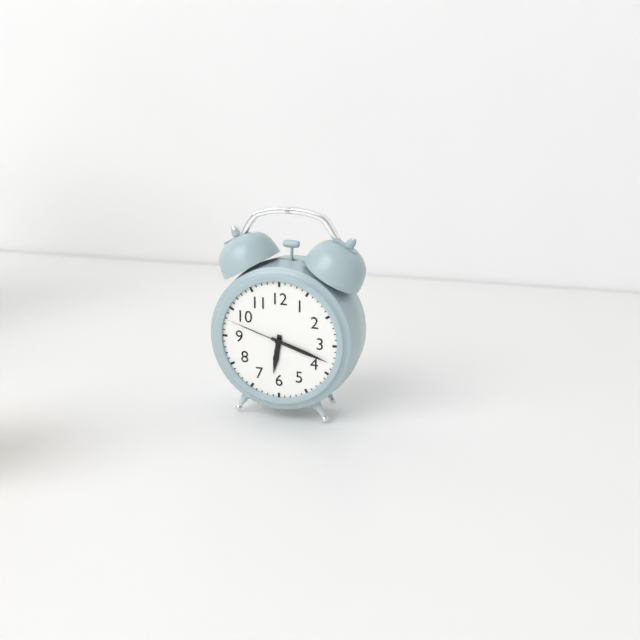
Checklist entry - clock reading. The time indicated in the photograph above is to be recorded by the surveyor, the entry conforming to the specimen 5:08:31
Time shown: 6:18:48
